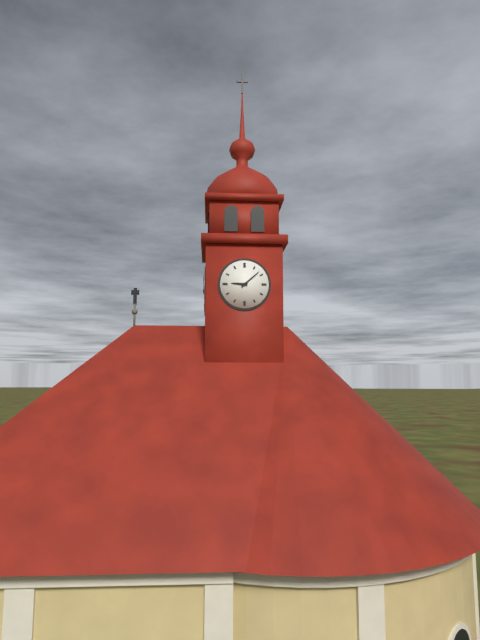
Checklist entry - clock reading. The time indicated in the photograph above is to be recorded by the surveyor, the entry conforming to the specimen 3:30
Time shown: 9:08
